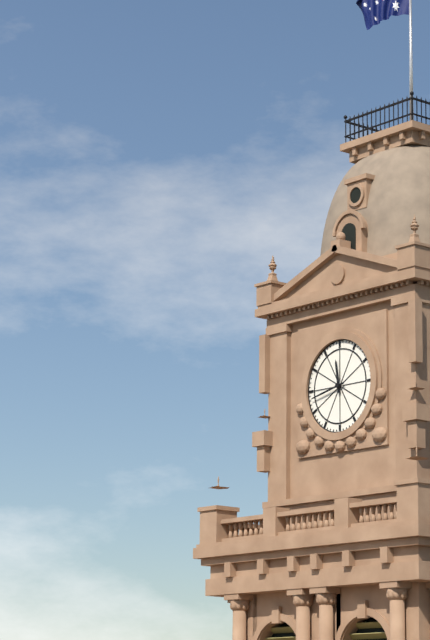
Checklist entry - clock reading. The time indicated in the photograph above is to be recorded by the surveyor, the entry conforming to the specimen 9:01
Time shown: 11:43
